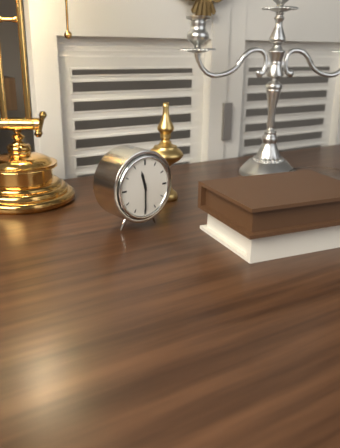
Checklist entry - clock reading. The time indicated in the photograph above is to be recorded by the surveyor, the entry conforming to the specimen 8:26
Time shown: 11:30
